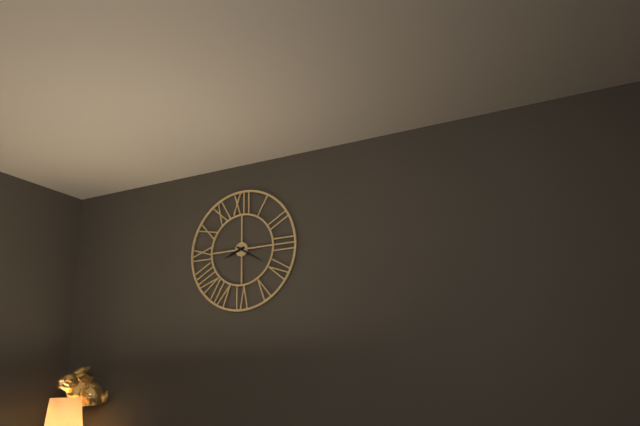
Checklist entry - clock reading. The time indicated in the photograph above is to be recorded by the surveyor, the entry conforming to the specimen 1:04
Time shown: 8:20
